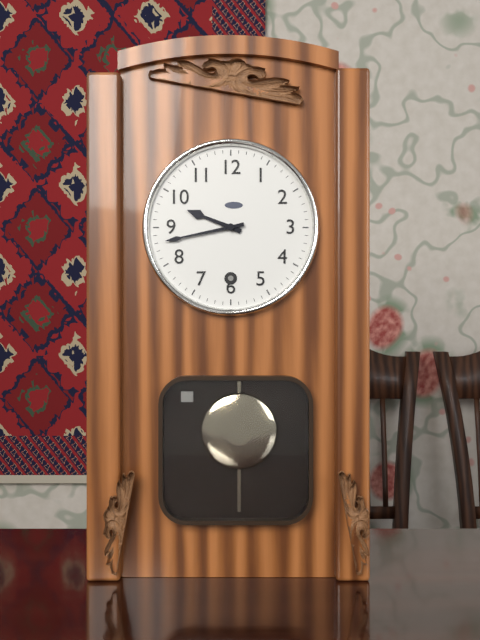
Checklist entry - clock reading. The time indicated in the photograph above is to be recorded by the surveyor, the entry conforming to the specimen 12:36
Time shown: 9:43
